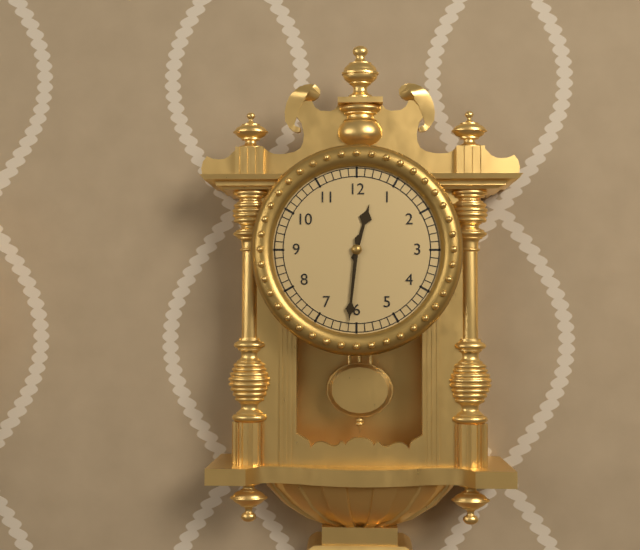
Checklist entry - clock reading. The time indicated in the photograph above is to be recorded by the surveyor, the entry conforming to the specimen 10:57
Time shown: 12:31
